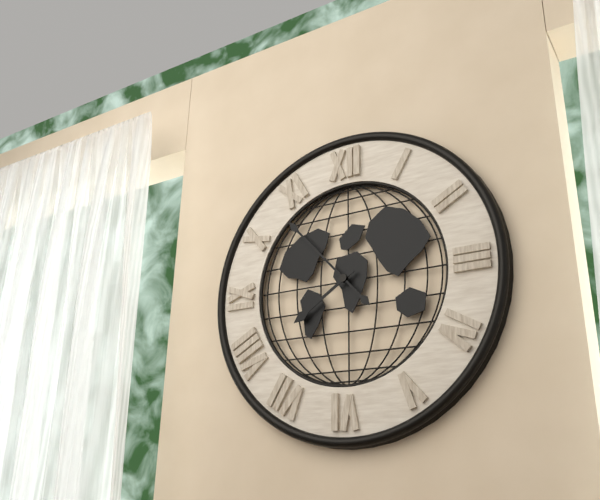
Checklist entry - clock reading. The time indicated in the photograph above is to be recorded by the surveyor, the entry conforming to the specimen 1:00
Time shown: 7:53
